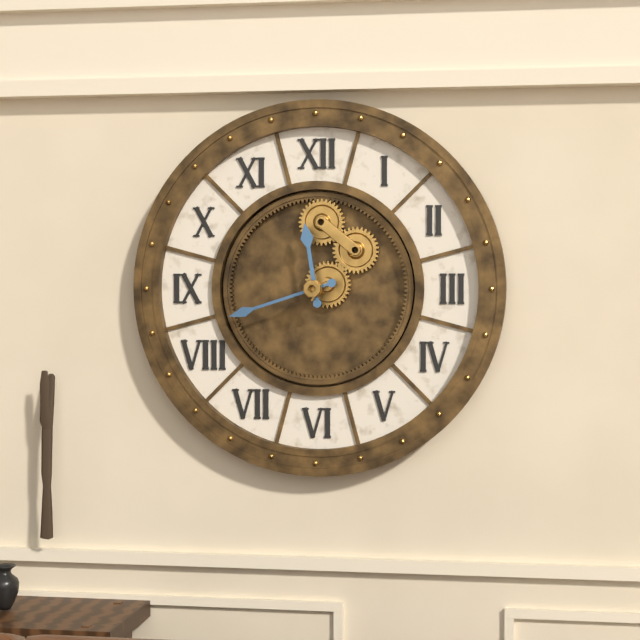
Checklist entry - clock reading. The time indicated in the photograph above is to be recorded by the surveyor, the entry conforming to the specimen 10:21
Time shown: 11:42
